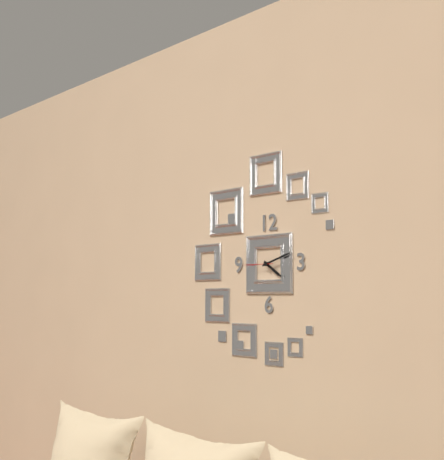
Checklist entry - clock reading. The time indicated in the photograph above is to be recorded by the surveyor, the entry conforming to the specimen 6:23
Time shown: 4:12
